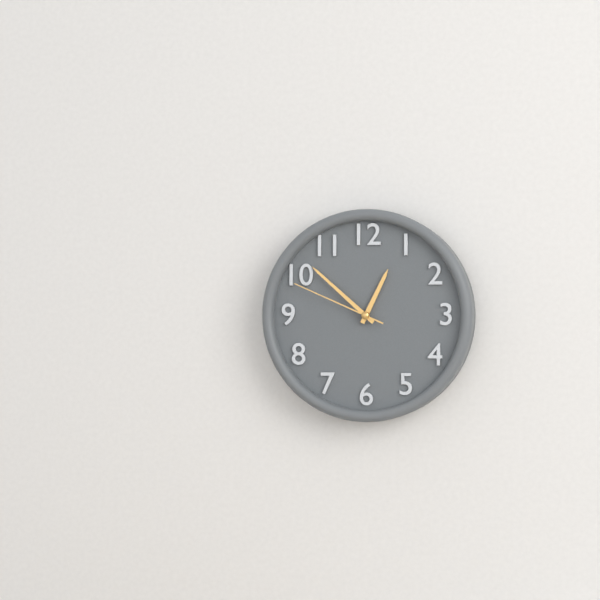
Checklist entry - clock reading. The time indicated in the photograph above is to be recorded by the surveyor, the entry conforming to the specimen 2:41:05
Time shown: 12:52:49
